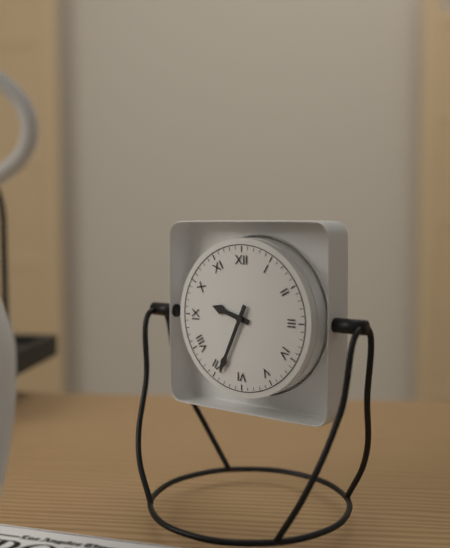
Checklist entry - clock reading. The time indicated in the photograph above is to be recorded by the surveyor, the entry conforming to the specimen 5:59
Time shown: 9:34
